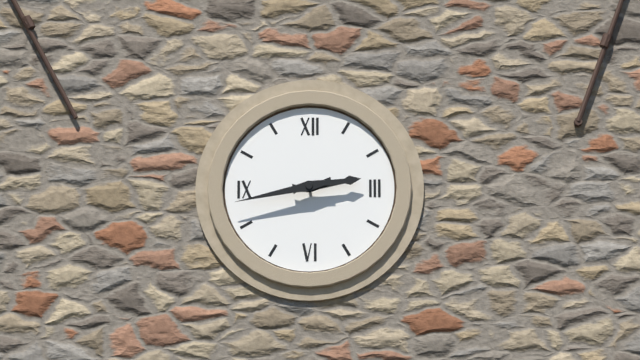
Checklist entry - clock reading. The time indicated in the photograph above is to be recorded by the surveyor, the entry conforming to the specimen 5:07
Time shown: 2:43
